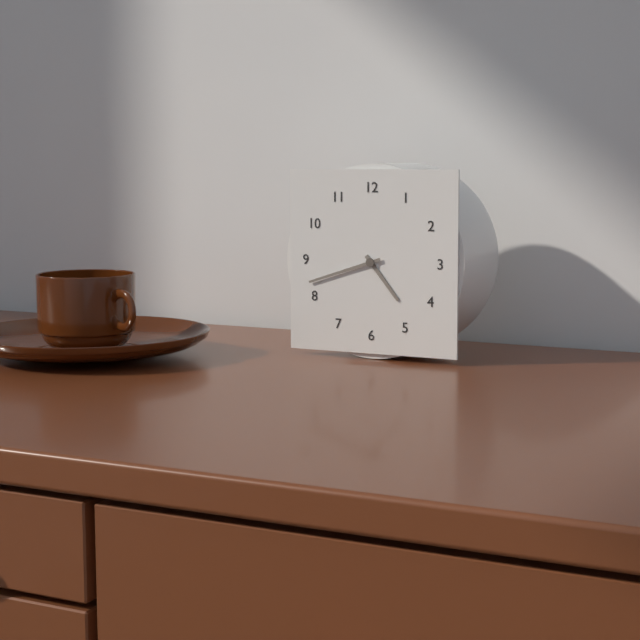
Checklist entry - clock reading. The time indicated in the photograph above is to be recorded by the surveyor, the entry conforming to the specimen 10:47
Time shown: 4:42
